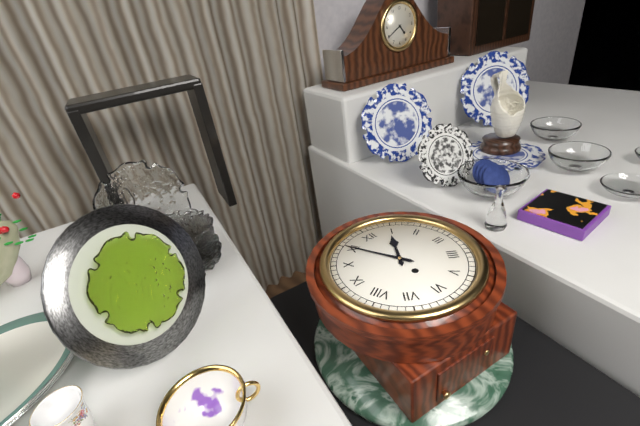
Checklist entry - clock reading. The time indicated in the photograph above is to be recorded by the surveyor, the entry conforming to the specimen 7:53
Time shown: 12:55
